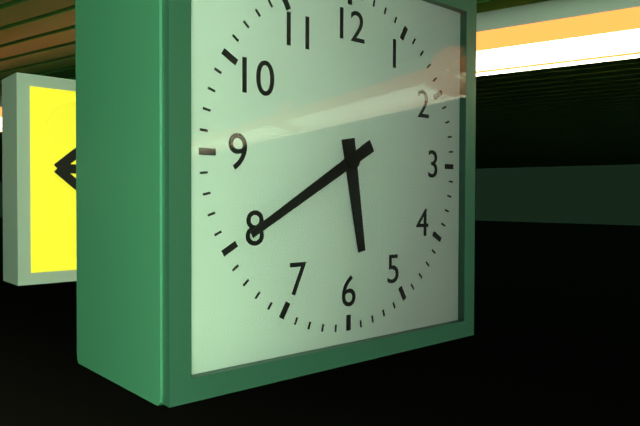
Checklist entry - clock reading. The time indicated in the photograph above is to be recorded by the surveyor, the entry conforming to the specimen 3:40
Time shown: 5:40
